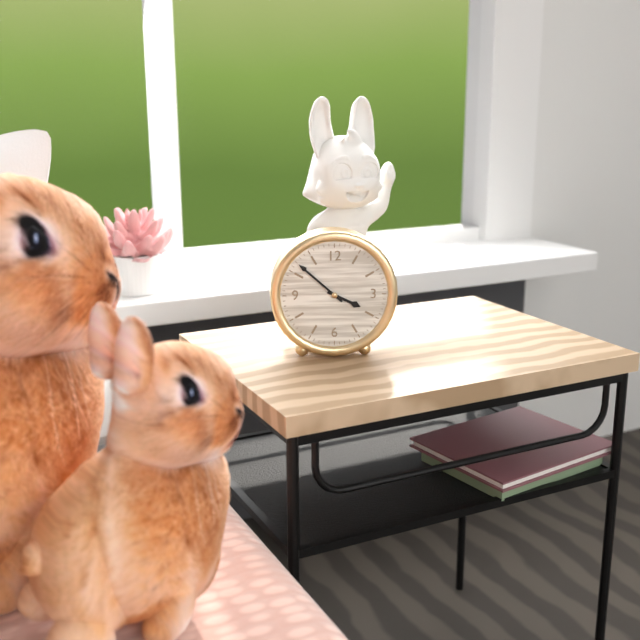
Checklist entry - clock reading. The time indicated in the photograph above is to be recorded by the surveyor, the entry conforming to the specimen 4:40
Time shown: 3:52
